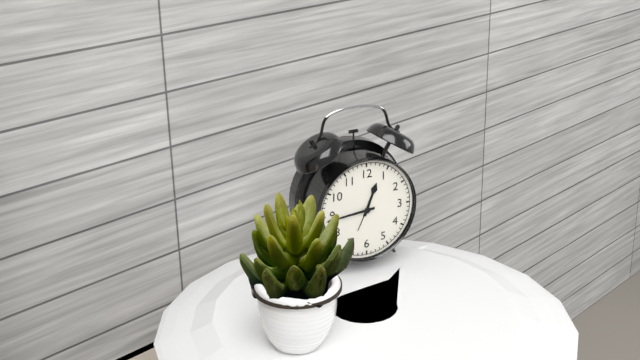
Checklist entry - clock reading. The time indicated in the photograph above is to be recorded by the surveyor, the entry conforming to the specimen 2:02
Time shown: 12:44
